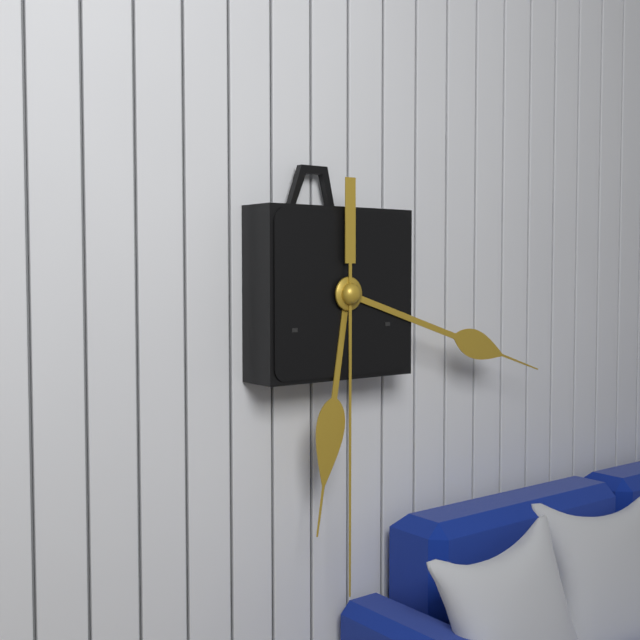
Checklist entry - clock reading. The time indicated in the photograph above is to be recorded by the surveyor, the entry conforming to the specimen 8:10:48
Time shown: 6:18:30
